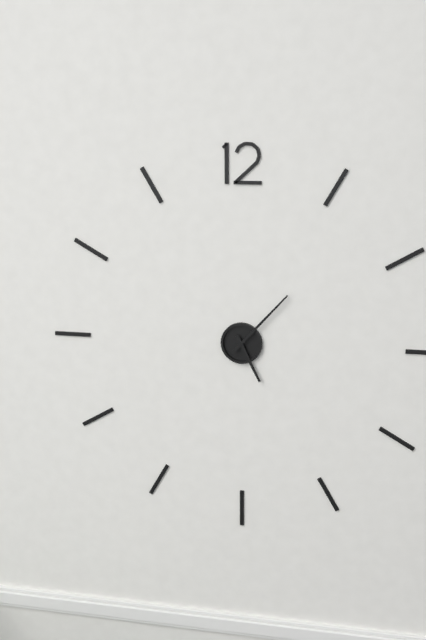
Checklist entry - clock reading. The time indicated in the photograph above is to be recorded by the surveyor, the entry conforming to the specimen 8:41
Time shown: 5:07
